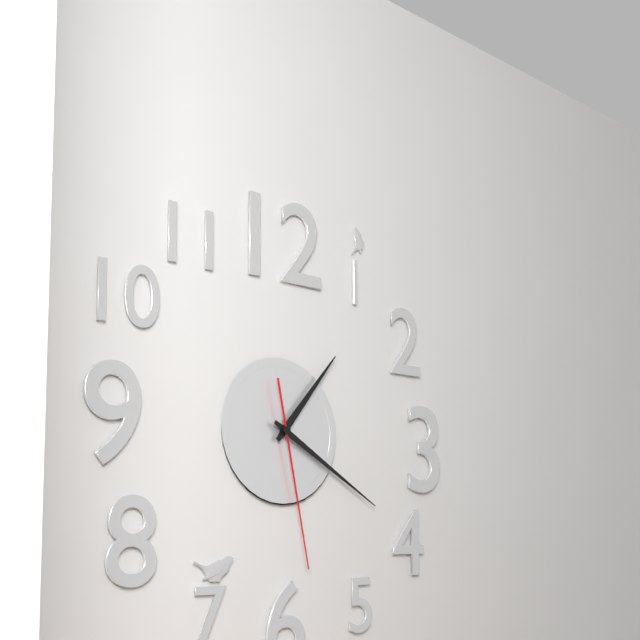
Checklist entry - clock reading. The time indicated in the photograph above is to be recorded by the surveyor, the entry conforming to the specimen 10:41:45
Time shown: 1:20:28
